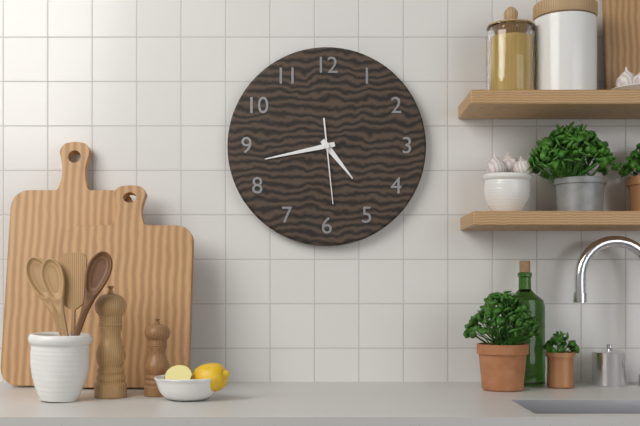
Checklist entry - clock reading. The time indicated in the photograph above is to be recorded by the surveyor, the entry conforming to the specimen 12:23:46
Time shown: 4:43:29
